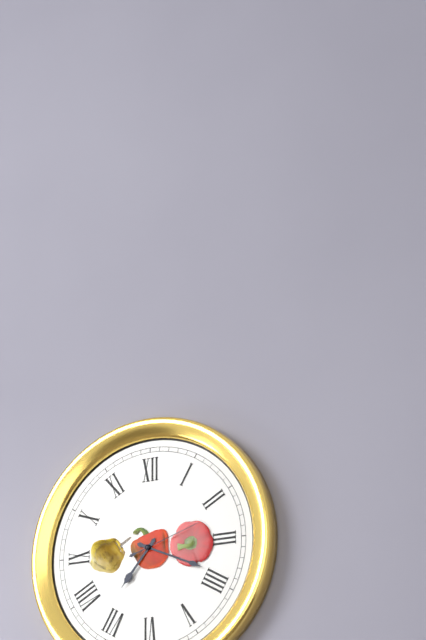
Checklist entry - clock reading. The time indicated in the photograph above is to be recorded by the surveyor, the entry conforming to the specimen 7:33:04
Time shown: 7:19:12
